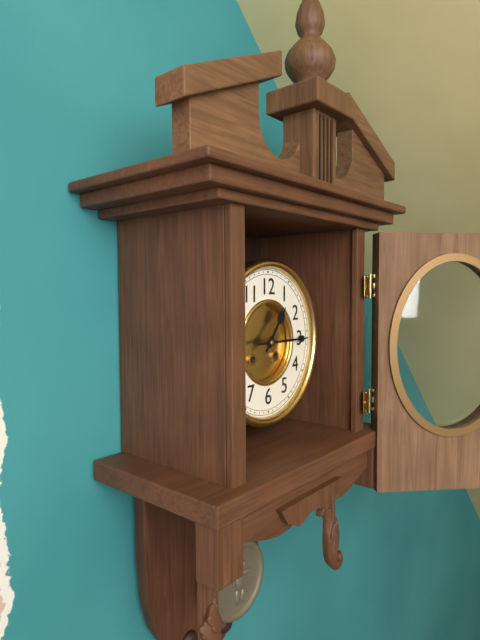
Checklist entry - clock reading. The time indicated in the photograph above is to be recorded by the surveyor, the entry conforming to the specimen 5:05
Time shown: 1:15
